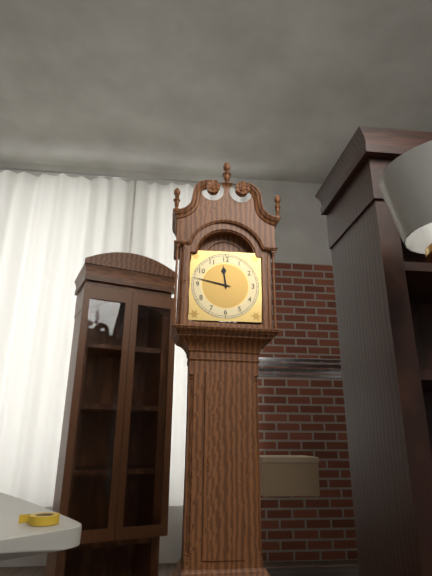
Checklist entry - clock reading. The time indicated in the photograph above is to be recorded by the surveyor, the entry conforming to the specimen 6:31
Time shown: 11:47
